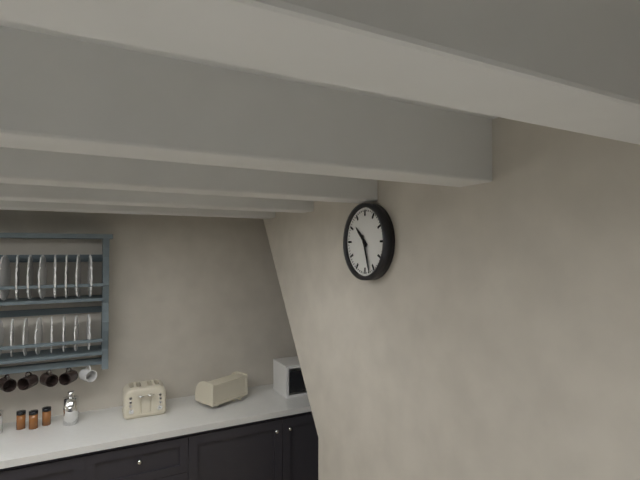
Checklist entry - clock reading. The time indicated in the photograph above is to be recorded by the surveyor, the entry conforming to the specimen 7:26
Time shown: 10:27
